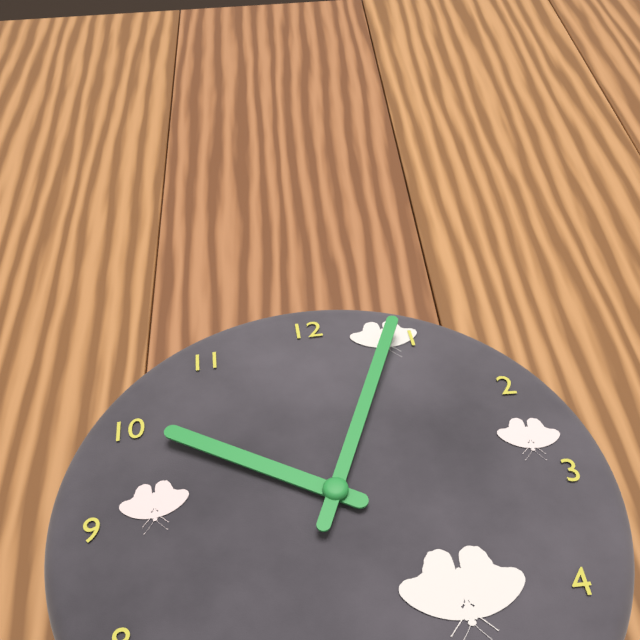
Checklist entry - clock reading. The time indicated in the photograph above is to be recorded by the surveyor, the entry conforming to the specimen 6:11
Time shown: 10:04
